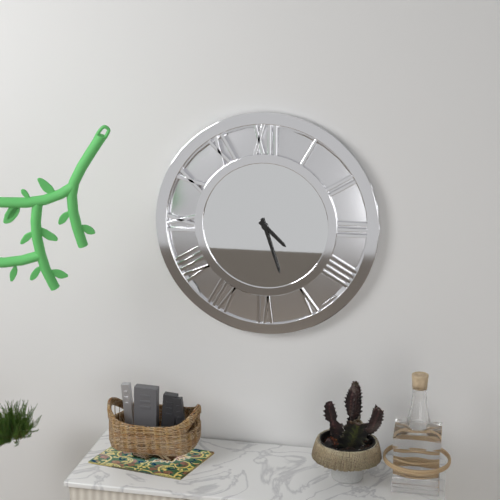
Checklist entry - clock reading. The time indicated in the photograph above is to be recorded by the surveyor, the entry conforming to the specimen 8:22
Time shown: 4:27
